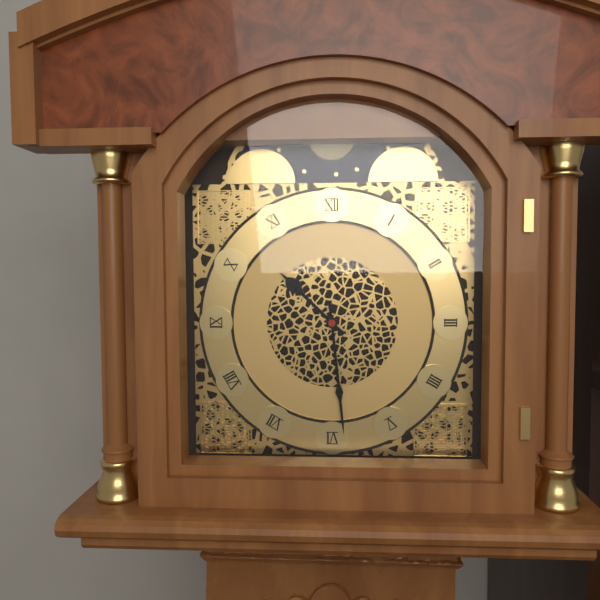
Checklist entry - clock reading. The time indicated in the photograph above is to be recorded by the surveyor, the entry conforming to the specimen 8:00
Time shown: 10:29
